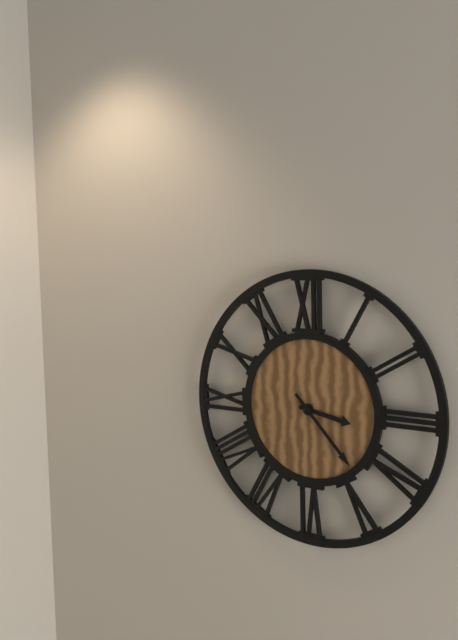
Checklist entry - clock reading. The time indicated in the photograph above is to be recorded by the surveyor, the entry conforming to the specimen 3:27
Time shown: 3:23
